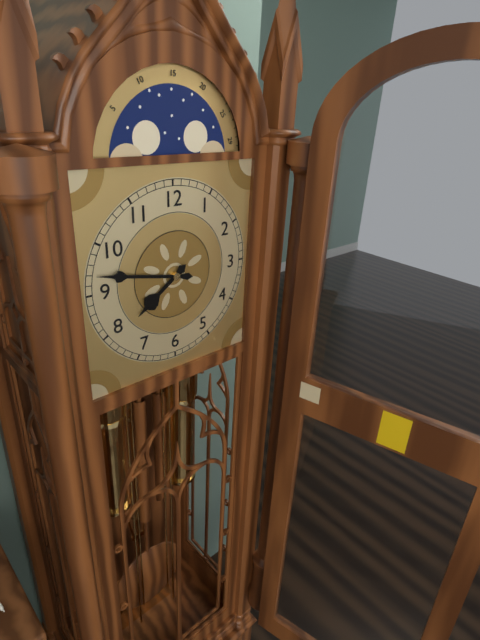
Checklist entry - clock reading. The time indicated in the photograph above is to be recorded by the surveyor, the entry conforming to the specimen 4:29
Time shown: 7:47
